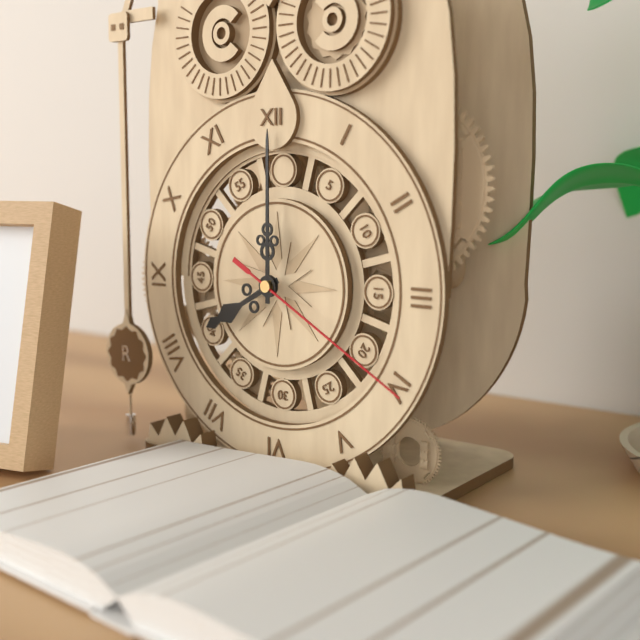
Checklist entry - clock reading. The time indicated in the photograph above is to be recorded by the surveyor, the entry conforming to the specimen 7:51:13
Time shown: 8:00:20
